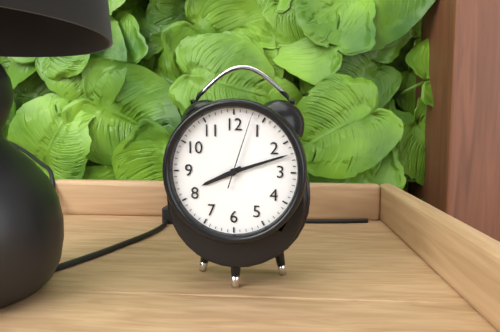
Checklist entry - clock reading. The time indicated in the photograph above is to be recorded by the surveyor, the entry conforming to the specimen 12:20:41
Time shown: 8:12:03
